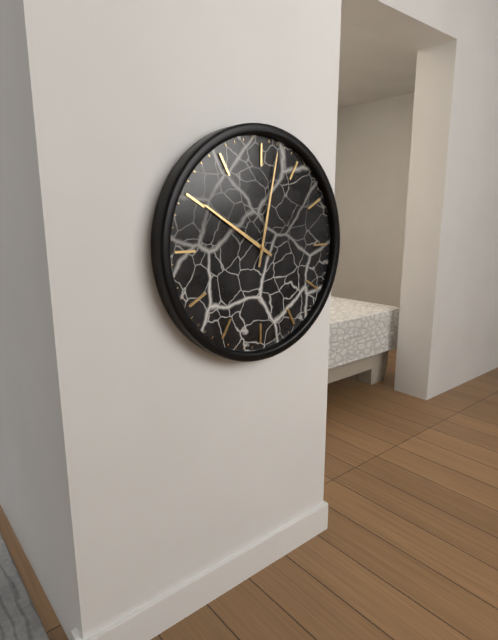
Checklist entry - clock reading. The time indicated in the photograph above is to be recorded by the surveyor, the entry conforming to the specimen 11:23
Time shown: 10:02
